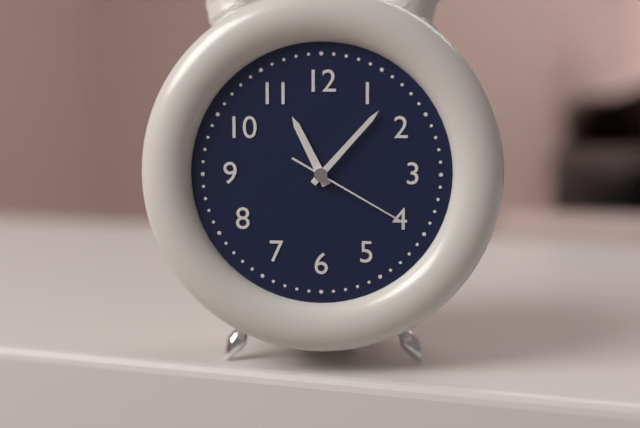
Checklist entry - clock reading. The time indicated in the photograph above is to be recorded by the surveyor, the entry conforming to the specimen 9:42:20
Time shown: 11:07:20
